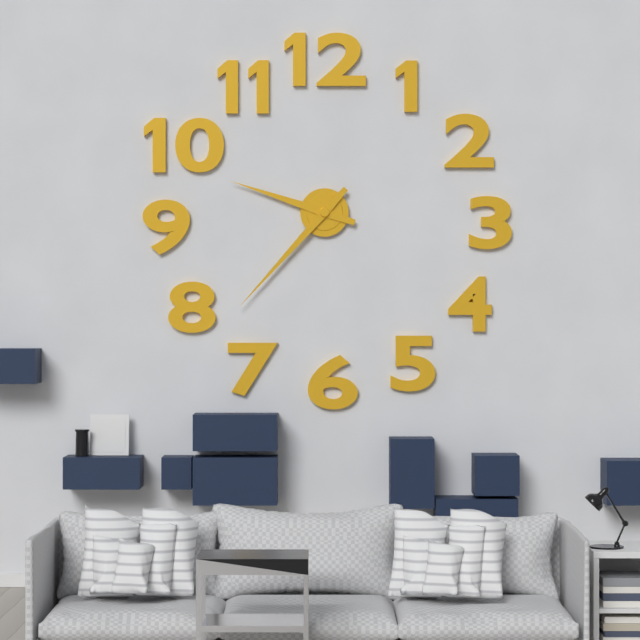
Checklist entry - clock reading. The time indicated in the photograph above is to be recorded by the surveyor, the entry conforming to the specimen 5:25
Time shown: 9:37
